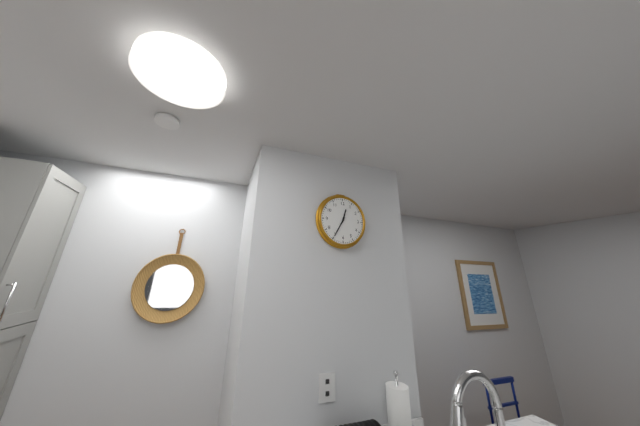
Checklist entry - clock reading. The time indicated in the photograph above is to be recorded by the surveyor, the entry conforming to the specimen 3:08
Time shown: 12:35
